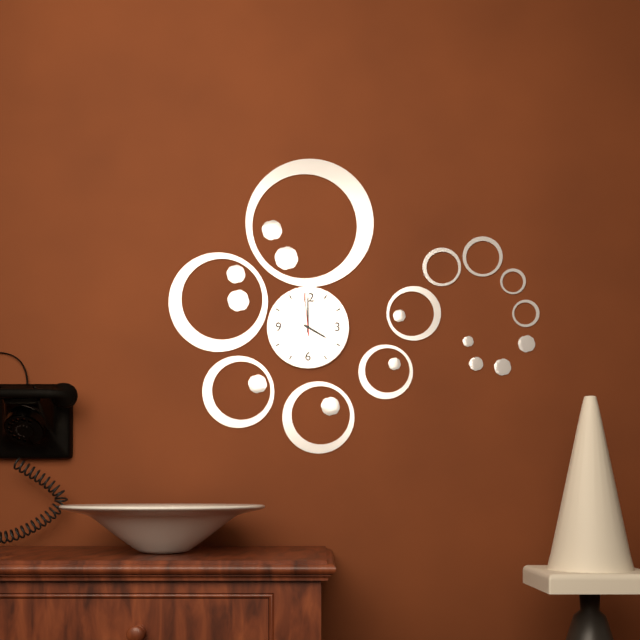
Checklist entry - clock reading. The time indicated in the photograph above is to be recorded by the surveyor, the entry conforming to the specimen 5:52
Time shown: 4:00
